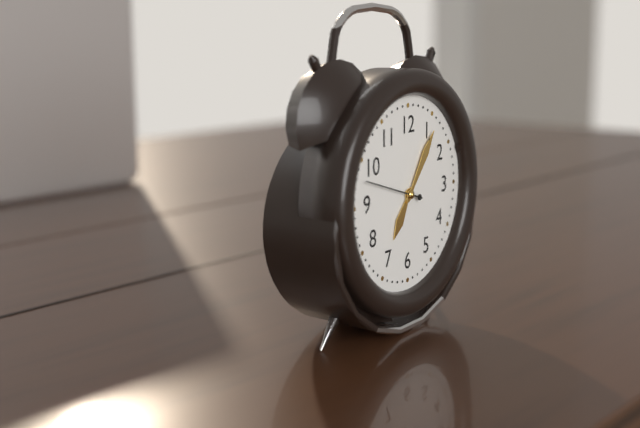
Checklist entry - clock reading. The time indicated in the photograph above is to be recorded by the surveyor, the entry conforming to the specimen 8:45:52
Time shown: 7:06:48
